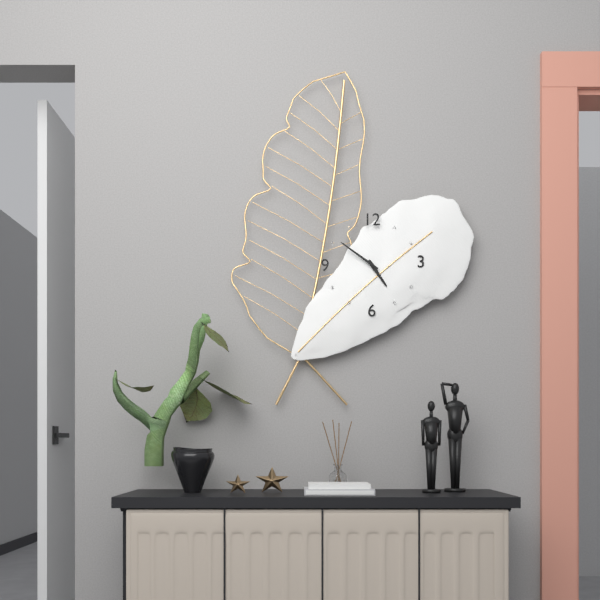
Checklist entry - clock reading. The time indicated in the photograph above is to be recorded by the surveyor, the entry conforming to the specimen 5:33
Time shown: 4:51
